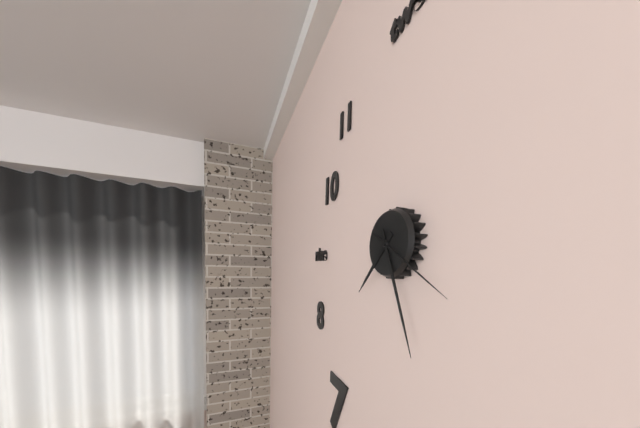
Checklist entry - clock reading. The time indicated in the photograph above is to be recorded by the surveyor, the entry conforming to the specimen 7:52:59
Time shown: 7:26:20
